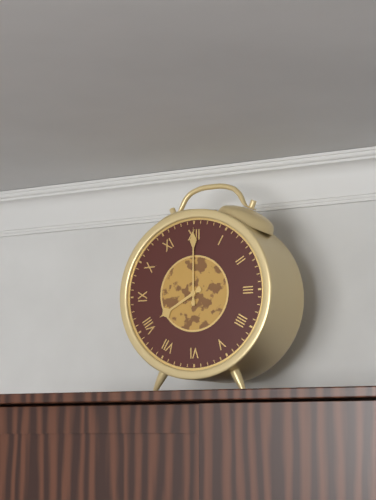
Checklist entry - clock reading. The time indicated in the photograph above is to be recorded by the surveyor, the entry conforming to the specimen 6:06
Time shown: 8:00
